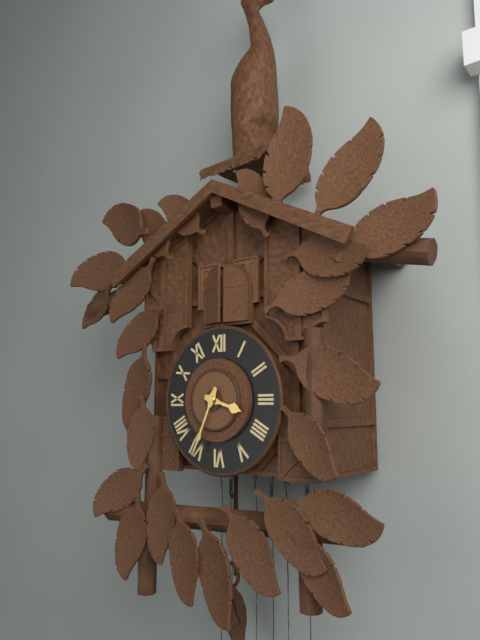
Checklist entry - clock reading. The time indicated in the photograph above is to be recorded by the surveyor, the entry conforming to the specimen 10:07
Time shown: 3:34
